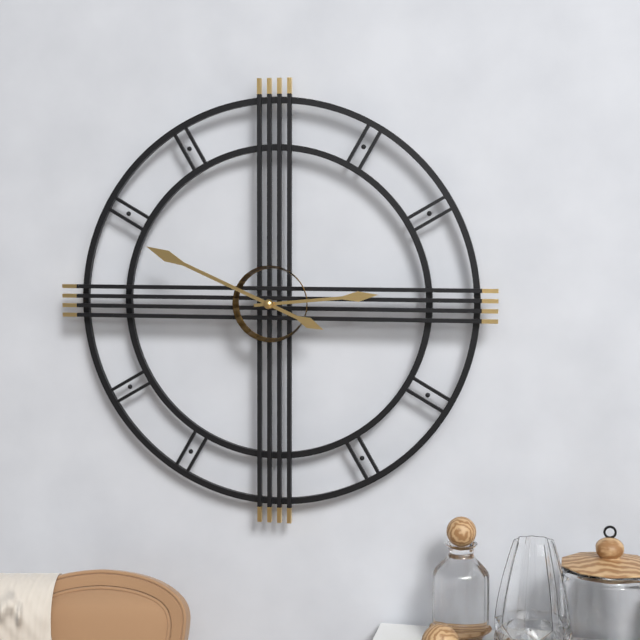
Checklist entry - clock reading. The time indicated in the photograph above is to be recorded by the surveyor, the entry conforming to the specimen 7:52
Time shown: 2:49
